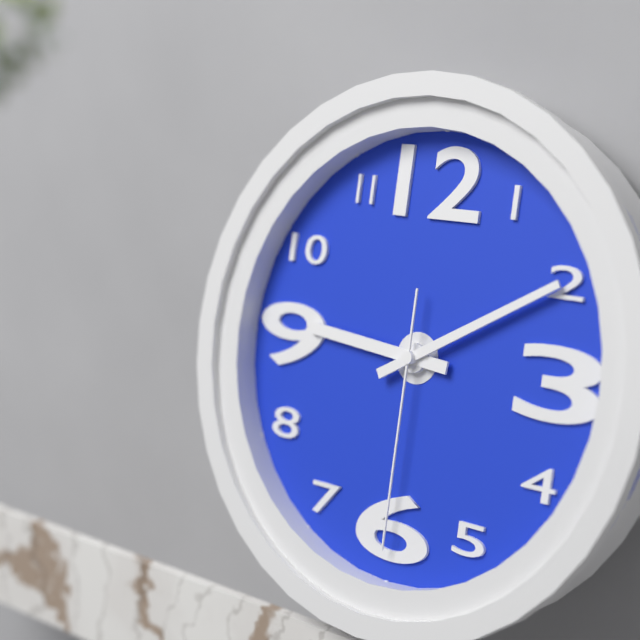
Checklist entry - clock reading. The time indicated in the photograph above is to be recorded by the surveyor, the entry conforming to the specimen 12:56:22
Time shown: 9:10:30
